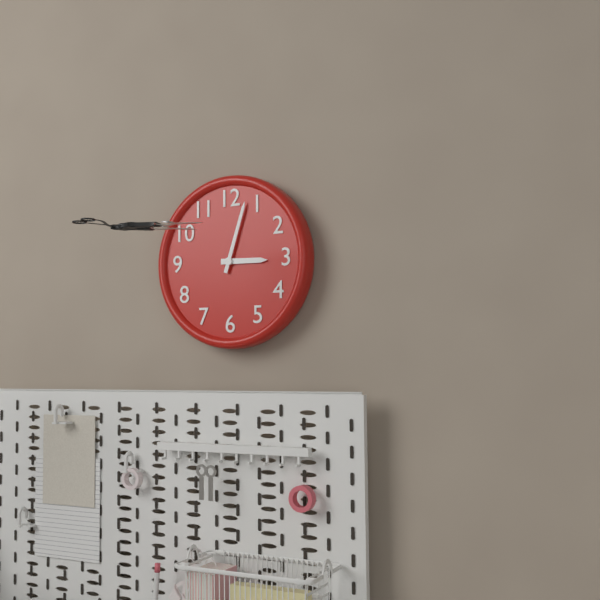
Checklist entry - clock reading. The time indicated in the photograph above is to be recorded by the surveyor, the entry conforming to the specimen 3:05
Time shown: 3:03
